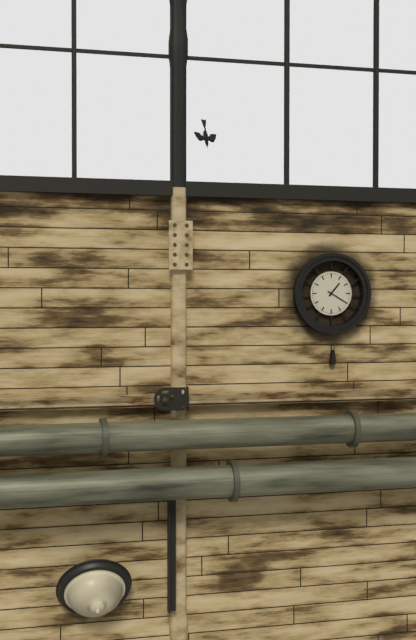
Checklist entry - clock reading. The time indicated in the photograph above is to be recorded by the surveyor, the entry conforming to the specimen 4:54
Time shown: 1:20
